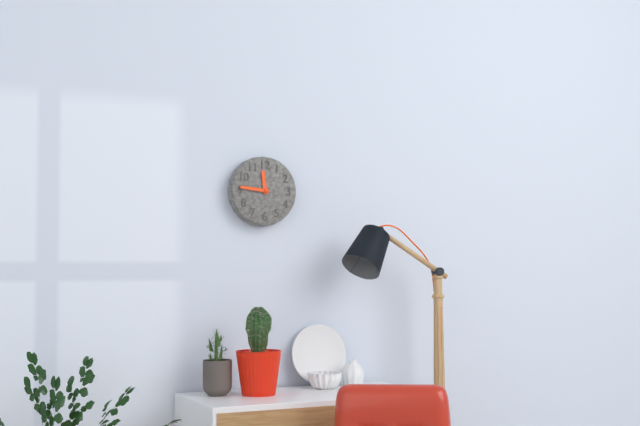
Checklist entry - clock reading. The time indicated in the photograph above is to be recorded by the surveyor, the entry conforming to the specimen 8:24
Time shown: 11:46
